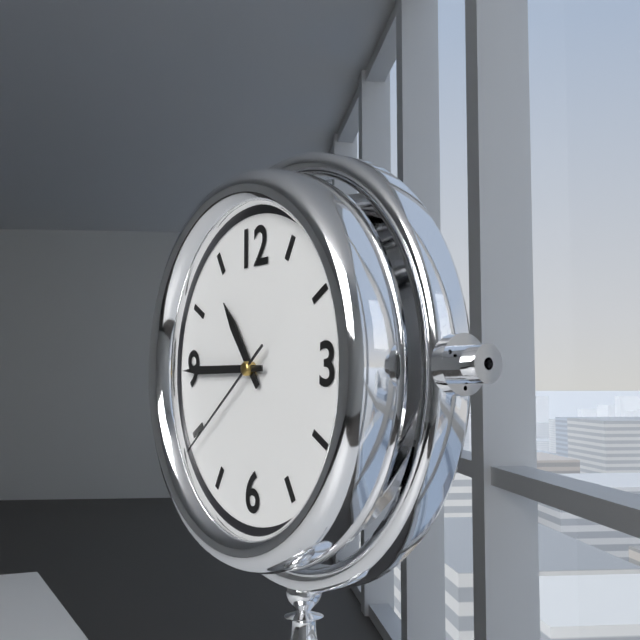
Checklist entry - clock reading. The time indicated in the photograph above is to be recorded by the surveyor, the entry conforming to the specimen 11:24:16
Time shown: 10:45:39
